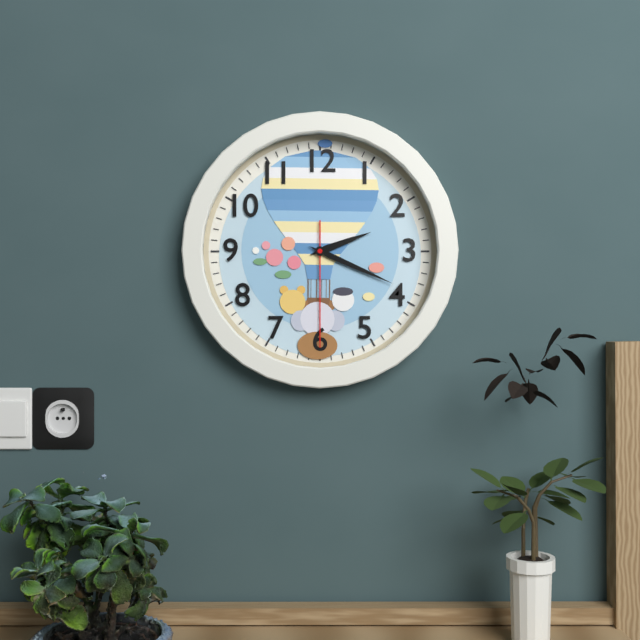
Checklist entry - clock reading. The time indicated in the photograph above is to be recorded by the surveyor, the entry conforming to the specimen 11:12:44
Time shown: 2:19:30
